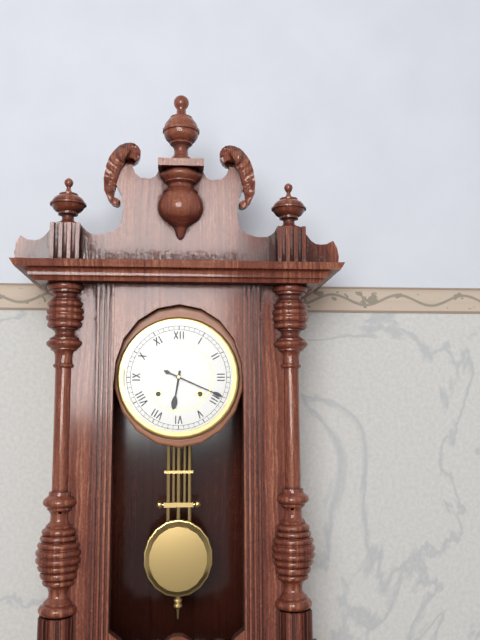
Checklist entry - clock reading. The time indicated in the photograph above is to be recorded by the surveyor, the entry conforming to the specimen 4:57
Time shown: 6:19
